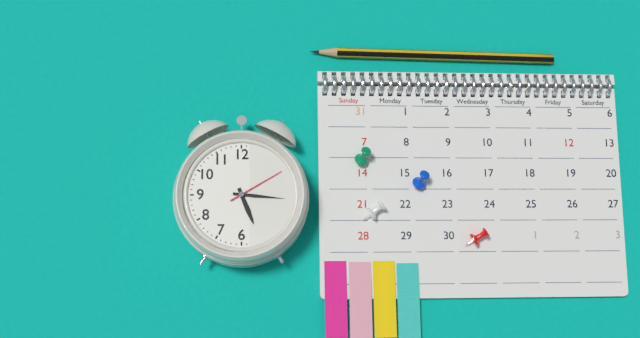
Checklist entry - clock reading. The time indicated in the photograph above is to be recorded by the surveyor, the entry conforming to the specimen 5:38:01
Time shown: 5:16:10
